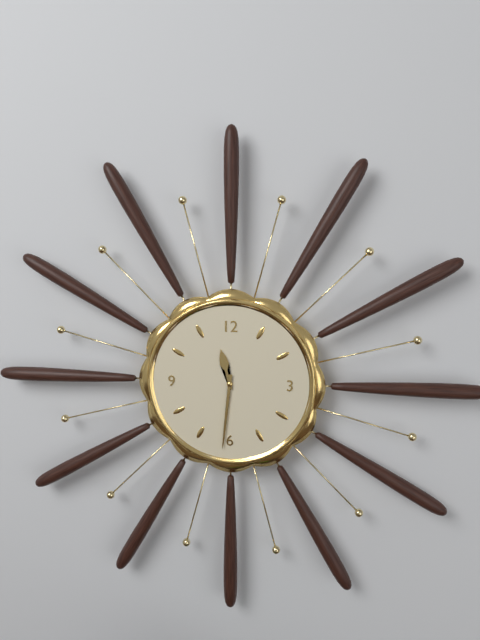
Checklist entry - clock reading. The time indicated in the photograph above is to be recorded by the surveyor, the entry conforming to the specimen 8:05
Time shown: 11:31
